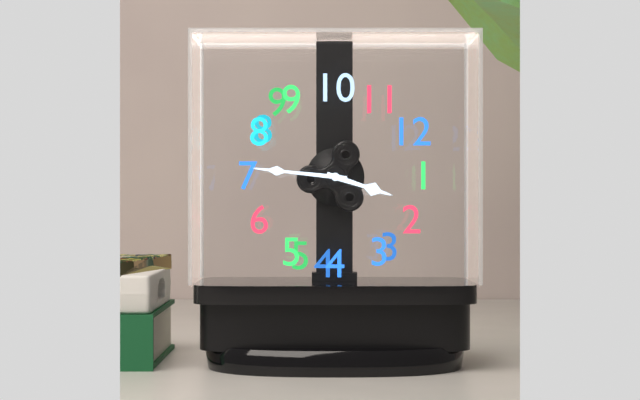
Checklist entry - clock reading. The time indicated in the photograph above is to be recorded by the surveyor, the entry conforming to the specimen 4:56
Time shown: 1:36
